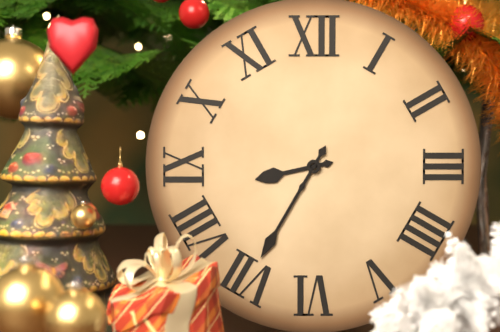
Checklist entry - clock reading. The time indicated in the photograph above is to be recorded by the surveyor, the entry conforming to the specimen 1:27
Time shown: 8:35
